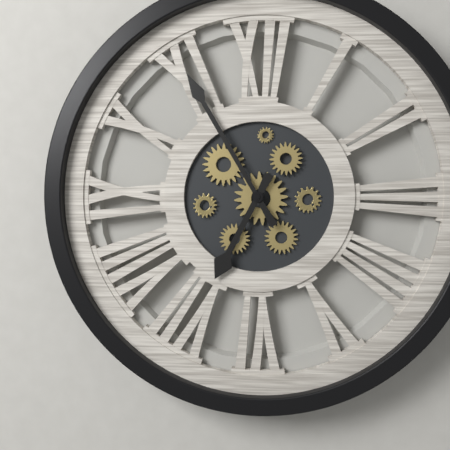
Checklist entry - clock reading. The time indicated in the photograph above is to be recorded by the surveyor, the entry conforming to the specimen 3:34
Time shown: 6:55
